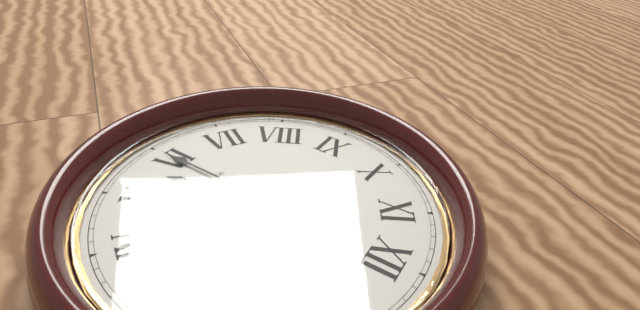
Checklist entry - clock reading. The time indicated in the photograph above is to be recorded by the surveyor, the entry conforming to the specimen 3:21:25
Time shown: 5:30:50
